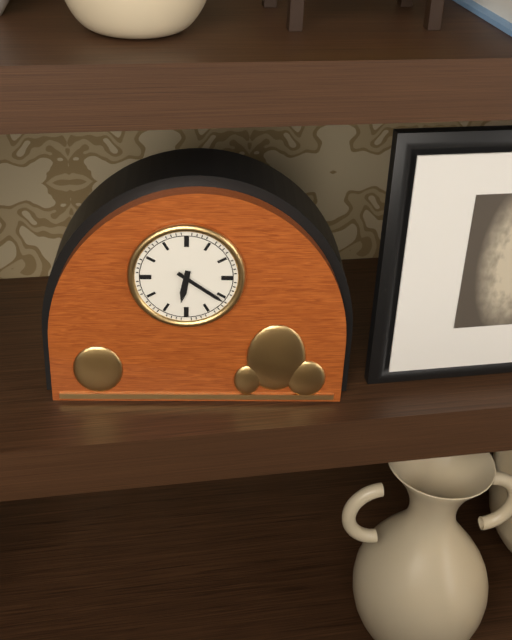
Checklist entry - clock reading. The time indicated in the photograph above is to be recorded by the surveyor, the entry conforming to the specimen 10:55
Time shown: 6:21
